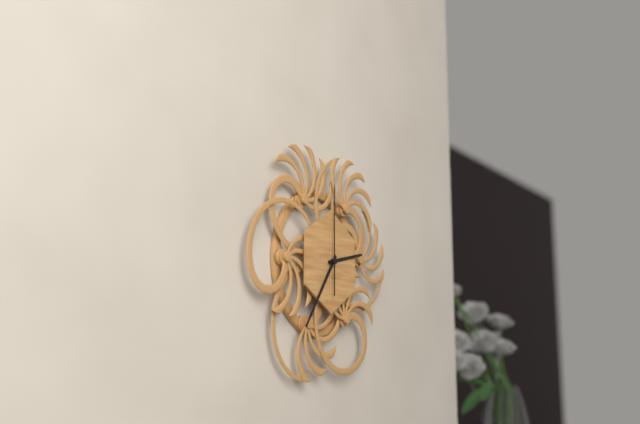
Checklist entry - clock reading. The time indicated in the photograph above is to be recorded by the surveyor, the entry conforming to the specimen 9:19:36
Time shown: 2:36:00
